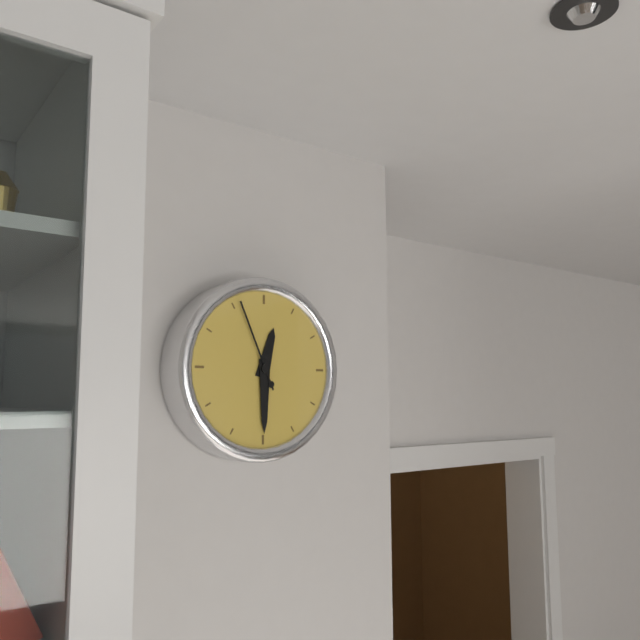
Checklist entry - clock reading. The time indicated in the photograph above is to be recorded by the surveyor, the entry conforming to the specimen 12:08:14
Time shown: 12:30:56
